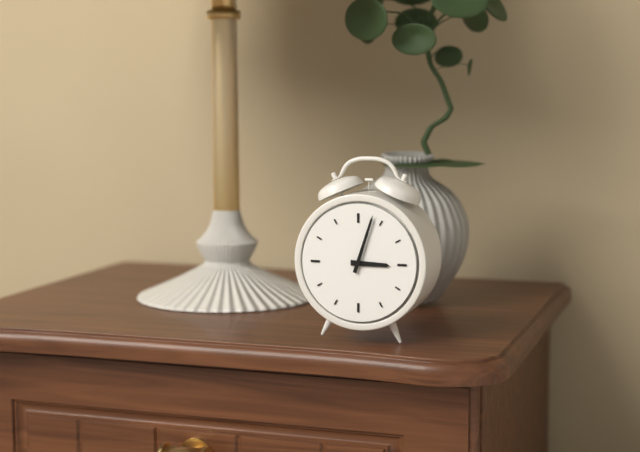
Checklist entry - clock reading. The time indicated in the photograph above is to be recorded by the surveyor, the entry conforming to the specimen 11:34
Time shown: 3:03
